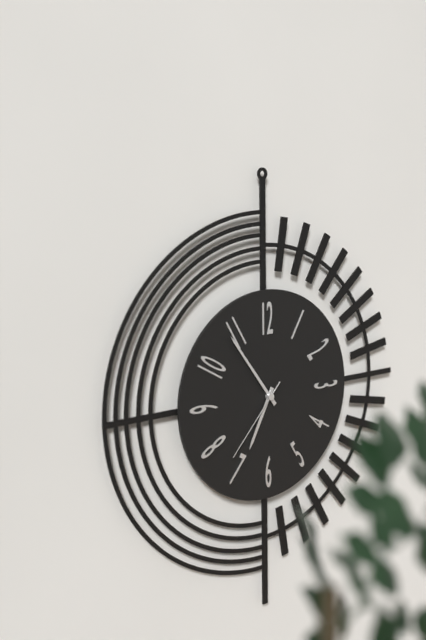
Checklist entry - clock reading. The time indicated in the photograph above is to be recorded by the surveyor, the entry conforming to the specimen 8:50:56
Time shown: 6:54:37
